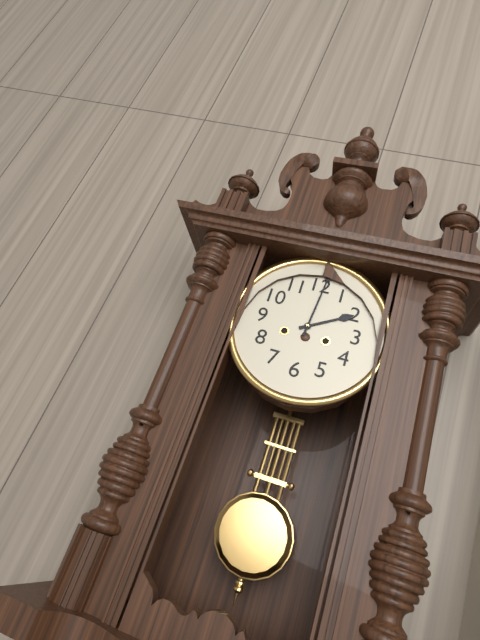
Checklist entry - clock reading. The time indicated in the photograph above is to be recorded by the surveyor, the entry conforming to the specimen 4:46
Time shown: 2:01
